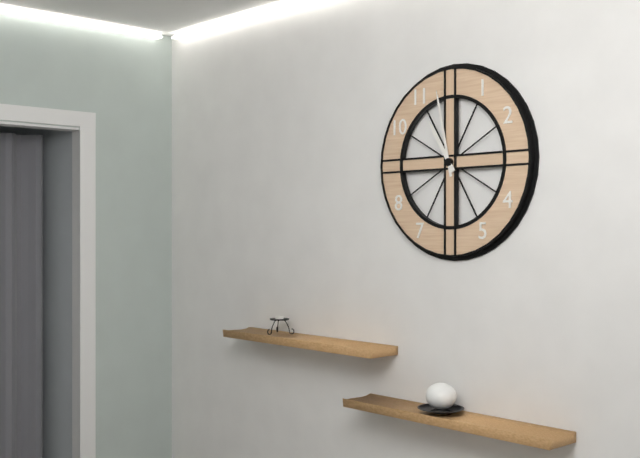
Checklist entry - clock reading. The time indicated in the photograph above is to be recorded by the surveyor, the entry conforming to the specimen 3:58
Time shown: 10:58
